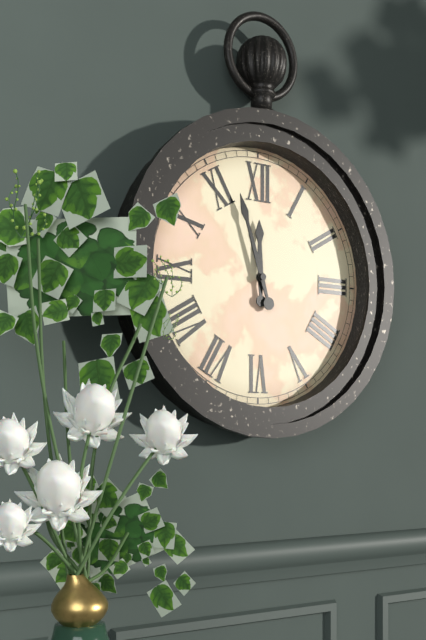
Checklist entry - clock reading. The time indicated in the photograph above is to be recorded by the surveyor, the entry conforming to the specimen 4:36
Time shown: 11:57
